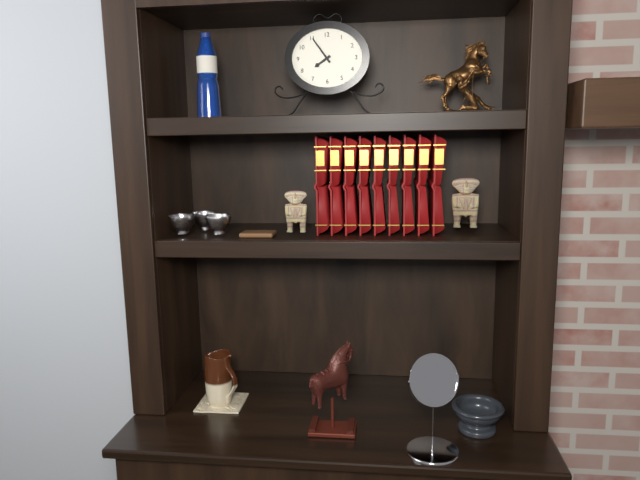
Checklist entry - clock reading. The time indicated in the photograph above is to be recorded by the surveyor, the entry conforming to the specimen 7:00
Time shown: 7:54
